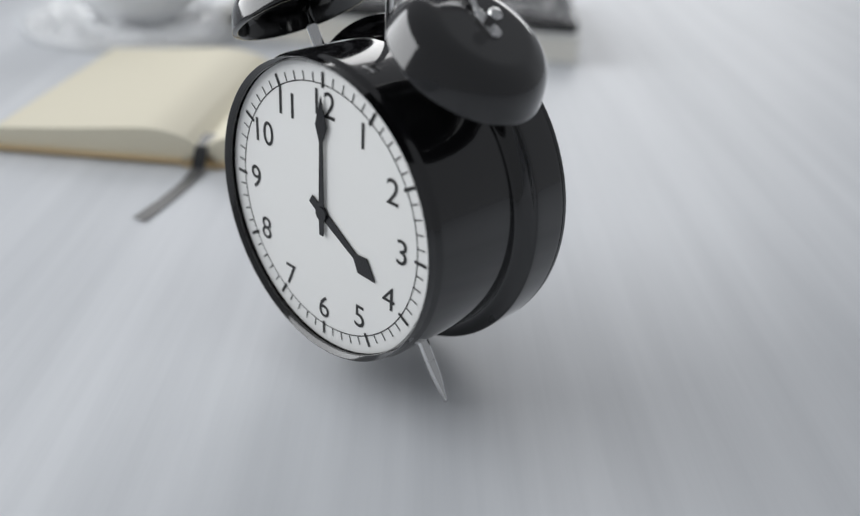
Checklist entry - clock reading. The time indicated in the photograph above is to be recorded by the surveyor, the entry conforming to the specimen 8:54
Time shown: 4:00
